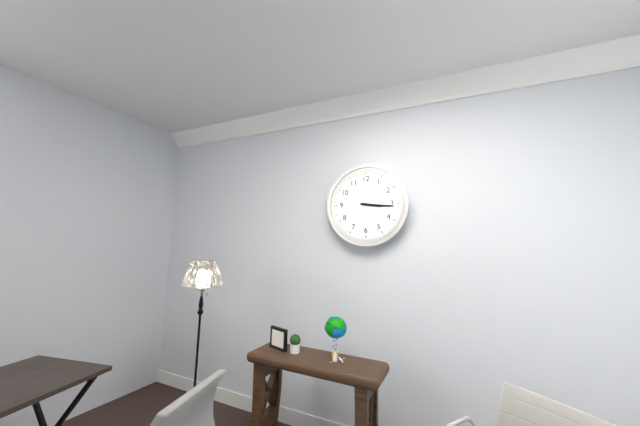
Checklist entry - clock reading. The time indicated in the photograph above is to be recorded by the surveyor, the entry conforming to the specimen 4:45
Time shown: 3:16
